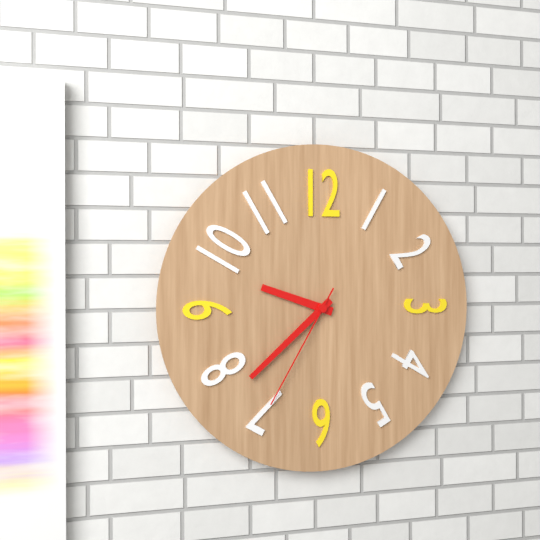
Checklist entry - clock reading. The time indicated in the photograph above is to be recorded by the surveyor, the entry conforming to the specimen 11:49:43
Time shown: 9:38:35
